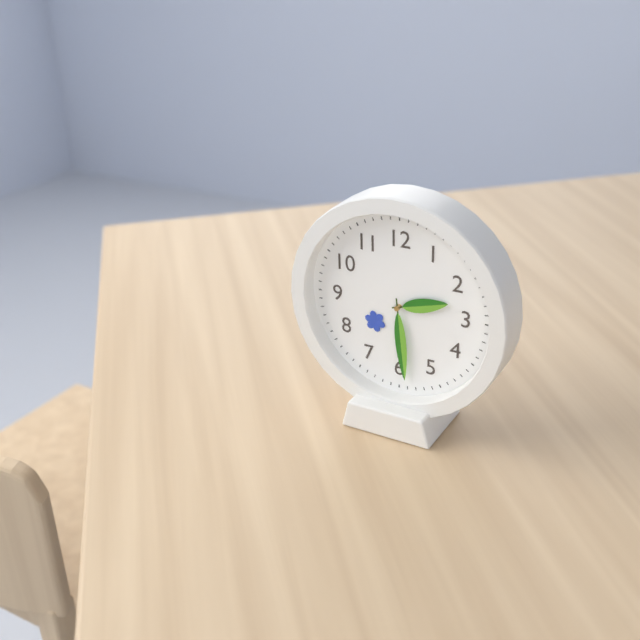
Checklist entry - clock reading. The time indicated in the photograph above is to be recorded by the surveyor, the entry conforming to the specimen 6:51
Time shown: 2:29
